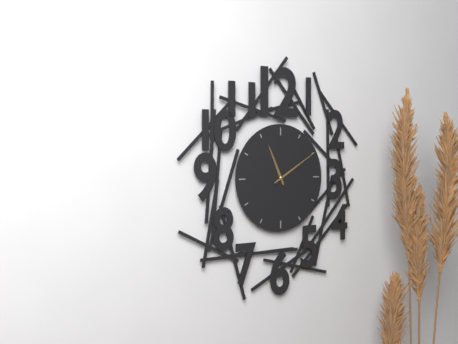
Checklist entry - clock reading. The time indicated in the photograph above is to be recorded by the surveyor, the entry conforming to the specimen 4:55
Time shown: 11:10
